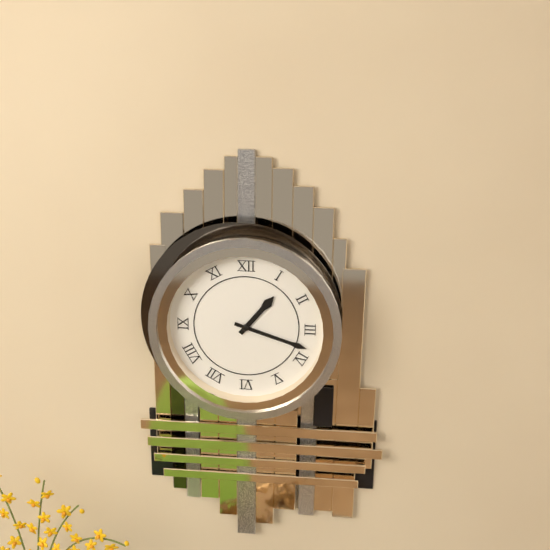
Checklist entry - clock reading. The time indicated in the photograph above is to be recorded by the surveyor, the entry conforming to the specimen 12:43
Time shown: 1:18
